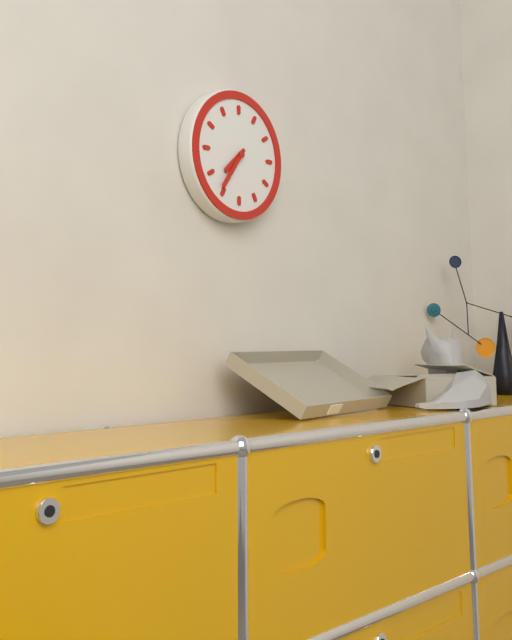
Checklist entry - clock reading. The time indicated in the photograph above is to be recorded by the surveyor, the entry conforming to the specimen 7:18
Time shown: 7:36
